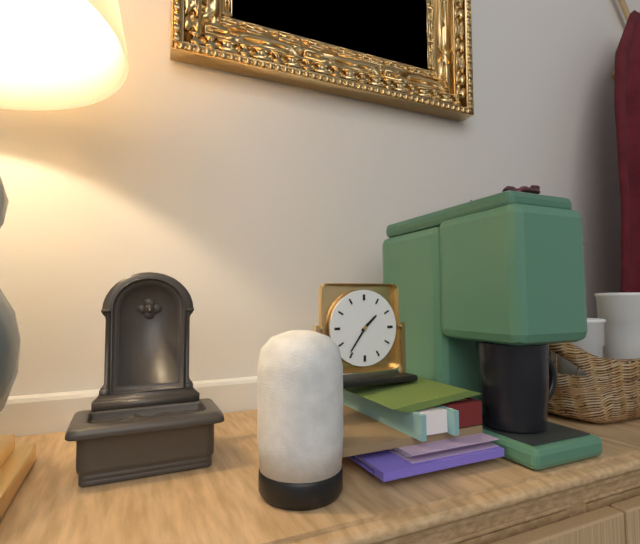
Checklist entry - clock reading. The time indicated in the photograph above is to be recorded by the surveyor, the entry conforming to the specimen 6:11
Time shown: 1:36
